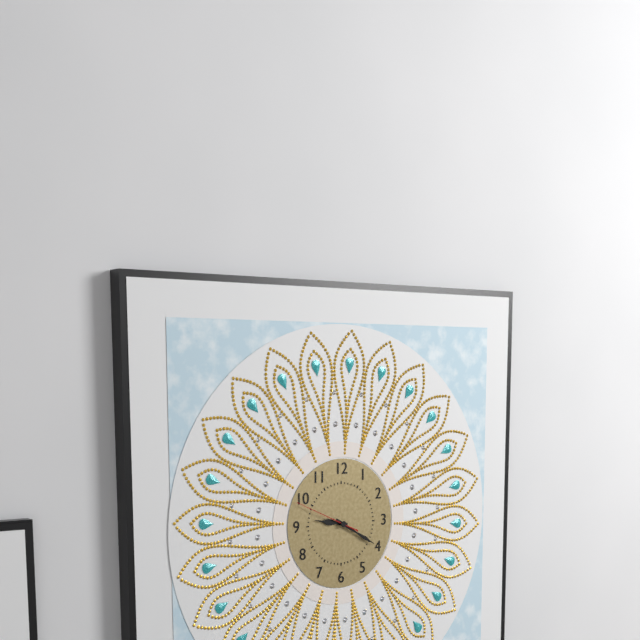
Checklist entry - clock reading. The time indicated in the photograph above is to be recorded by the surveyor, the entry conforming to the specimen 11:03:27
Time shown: 9:20:49
